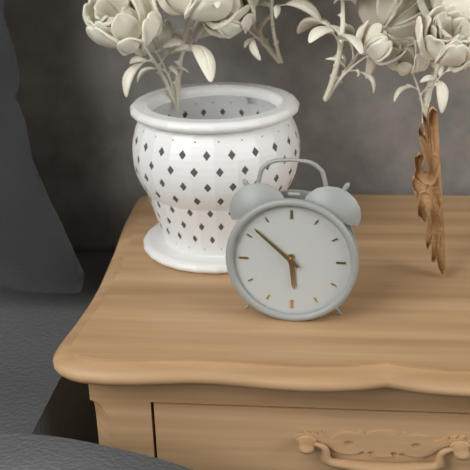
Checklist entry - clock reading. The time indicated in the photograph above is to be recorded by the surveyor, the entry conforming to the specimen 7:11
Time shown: 5:52
